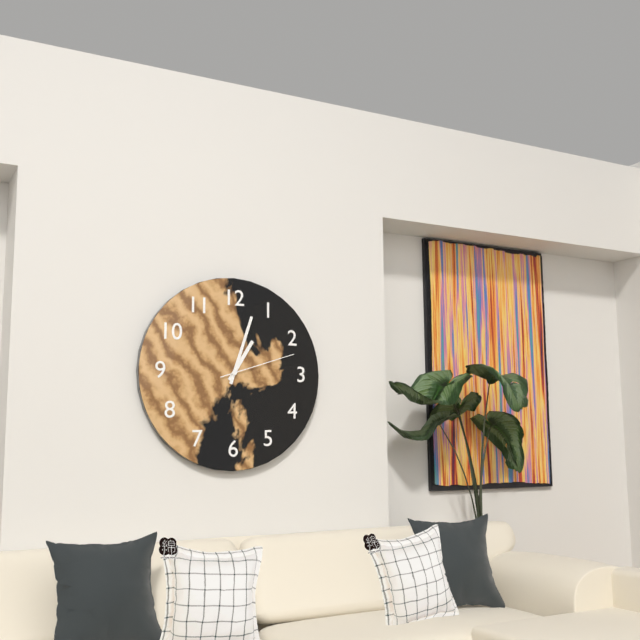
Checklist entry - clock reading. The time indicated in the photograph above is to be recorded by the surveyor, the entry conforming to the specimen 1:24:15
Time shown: 1:03:12
